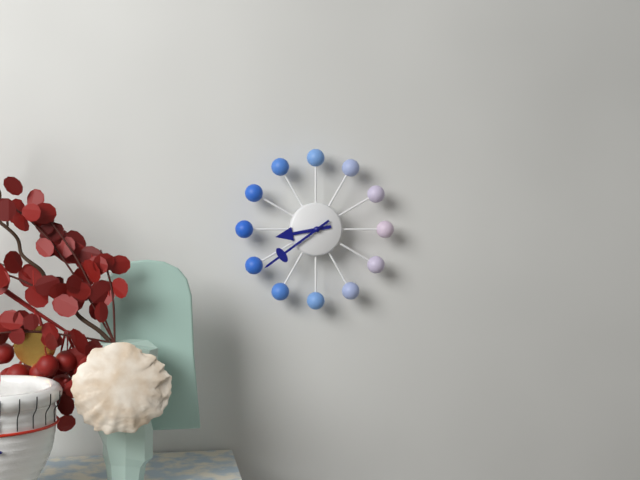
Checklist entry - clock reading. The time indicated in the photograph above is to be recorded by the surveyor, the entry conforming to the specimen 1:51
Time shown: 8:39
